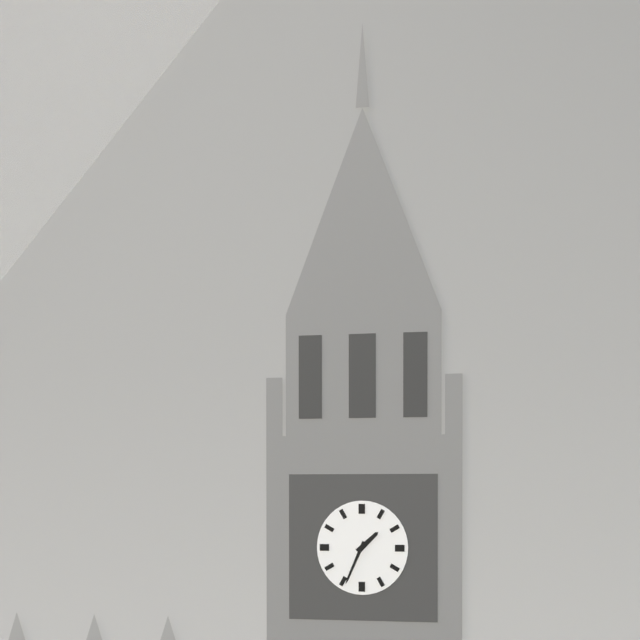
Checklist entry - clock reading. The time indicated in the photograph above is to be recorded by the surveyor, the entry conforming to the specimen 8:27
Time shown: 1:34
